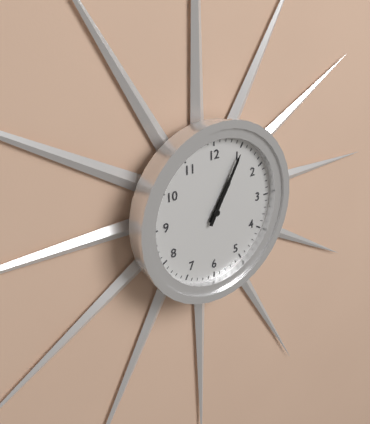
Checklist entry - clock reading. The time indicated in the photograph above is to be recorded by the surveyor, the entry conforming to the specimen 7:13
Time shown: 1:05
